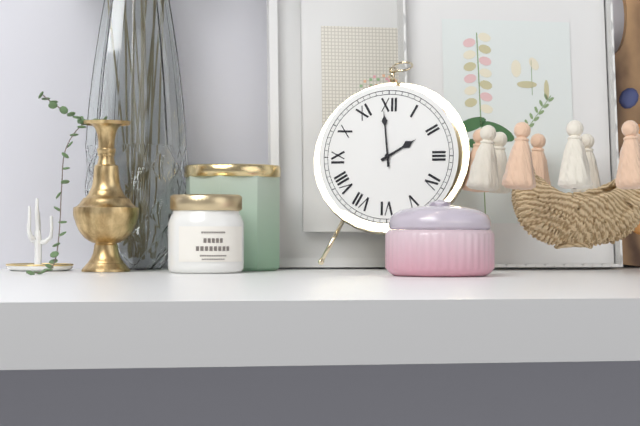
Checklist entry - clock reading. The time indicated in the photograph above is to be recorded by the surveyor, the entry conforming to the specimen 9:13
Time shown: 1:59
